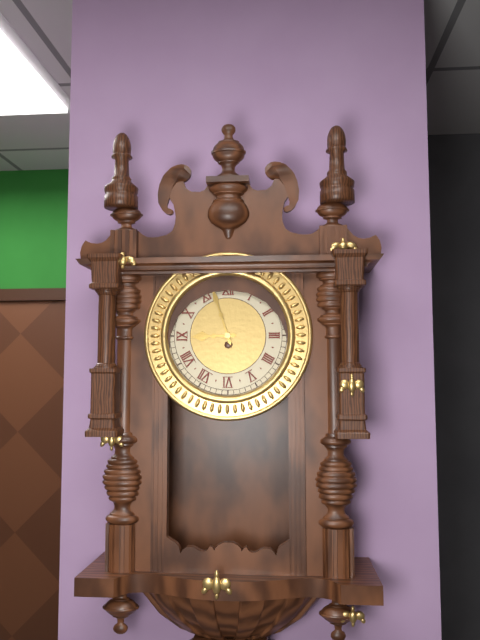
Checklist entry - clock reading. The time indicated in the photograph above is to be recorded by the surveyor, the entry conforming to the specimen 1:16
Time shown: 8:57
